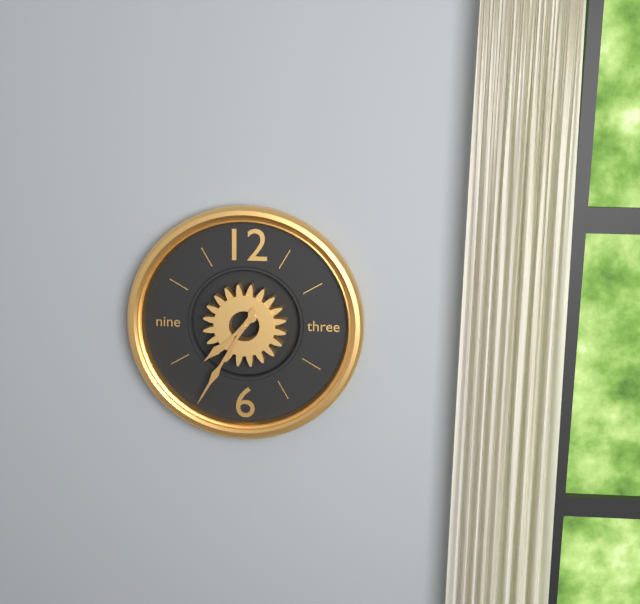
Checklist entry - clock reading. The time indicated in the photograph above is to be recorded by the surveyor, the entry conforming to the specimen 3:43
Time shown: 7:35
